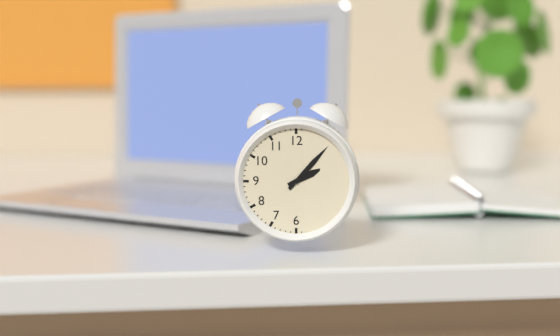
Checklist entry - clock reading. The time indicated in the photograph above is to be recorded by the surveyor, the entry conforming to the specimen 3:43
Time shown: 2:07
